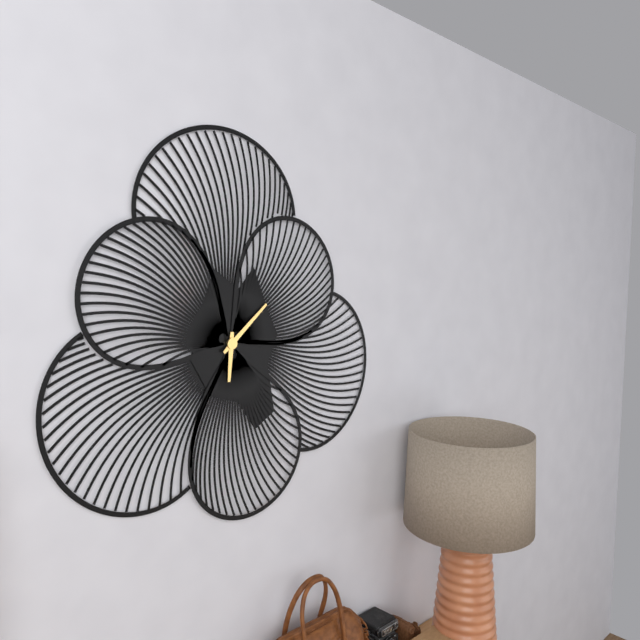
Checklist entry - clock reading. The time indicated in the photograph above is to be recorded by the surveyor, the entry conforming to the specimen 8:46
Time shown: 6:08
